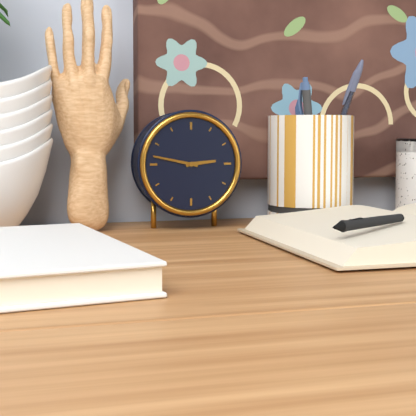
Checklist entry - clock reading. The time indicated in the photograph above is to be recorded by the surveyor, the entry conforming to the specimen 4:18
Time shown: 2:47
